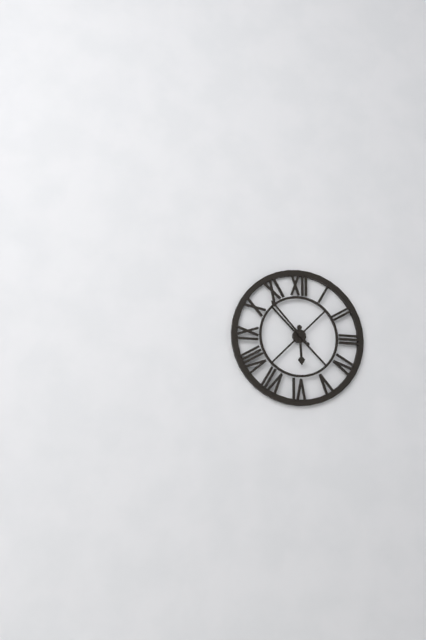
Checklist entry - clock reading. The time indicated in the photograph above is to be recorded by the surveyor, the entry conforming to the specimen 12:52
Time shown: 5:53
